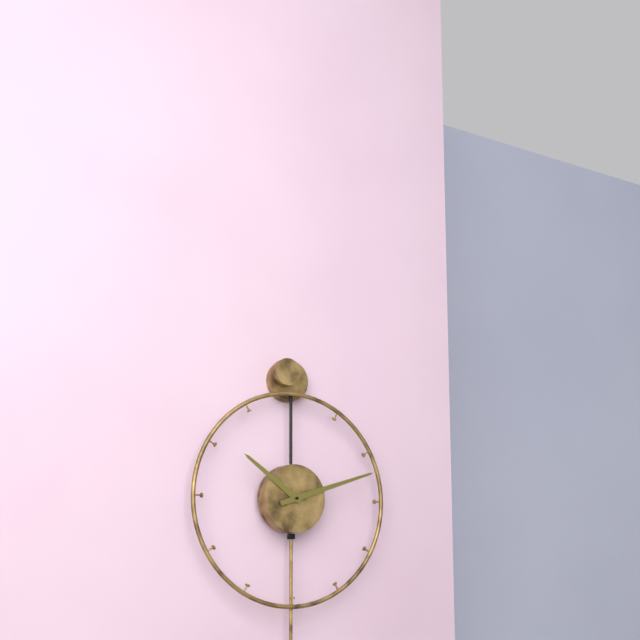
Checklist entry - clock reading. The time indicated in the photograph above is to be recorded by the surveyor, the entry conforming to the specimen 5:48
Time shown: 10:12
